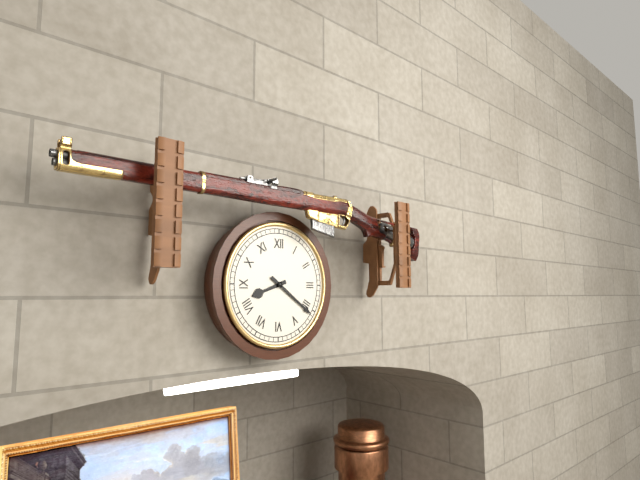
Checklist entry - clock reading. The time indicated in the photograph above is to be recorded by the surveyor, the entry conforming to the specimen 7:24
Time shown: 8:21
